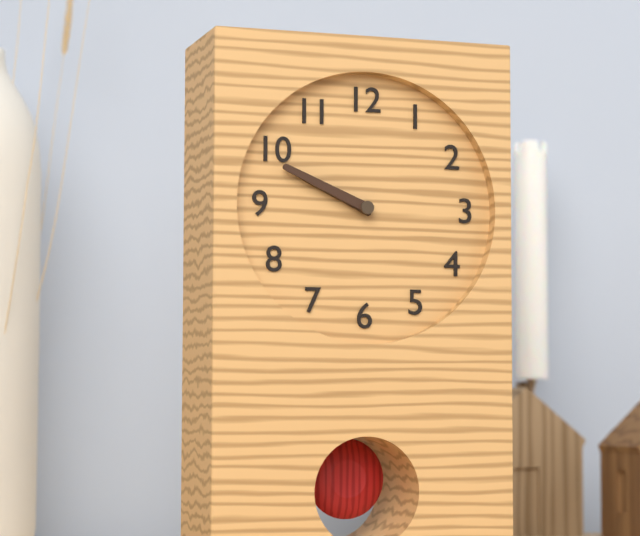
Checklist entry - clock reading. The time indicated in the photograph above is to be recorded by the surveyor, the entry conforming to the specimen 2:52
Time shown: 9:49
